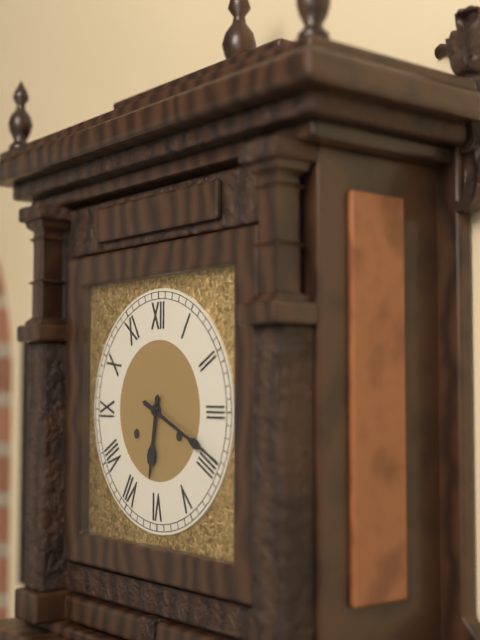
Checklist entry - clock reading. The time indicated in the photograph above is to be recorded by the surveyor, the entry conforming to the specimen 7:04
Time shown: 6:19
